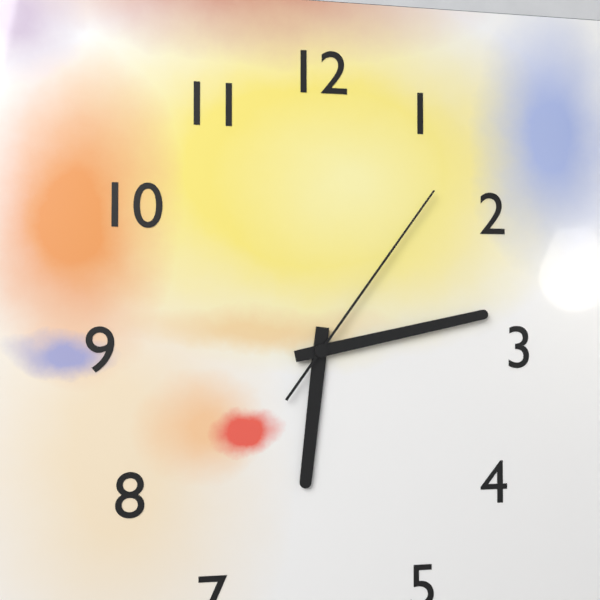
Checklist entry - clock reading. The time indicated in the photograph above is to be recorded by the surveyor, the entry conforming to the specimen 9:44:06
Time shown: 6:13:06
